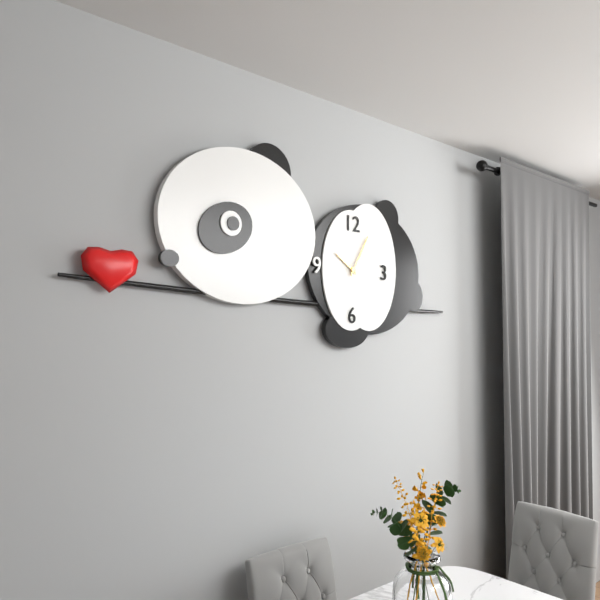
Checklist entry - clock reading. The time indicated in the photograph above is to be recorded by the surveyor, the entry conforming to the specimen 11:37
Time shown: 10:05
